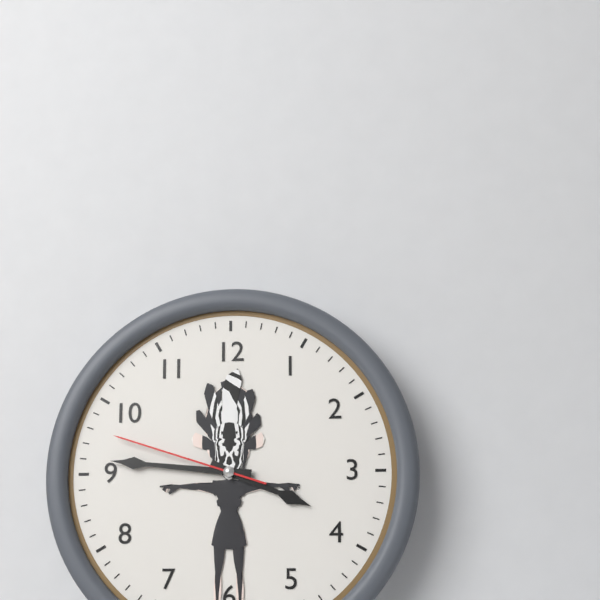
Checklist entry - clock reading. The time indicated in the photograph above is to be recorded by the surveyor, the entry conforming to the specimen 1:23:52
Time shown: 3:46:48
